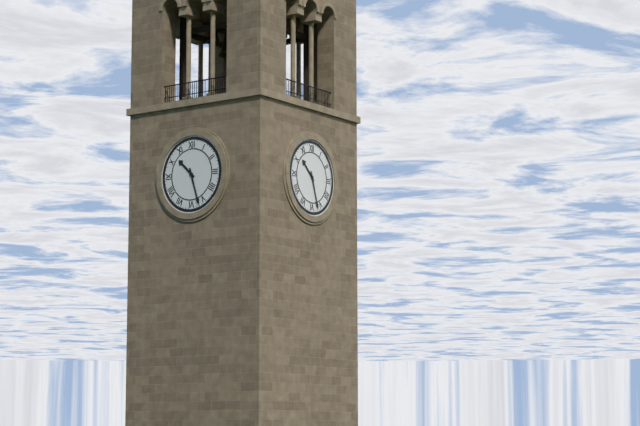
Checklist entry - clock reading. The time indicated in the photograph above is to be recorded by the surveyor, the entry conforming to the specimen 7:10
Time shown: 10:27
